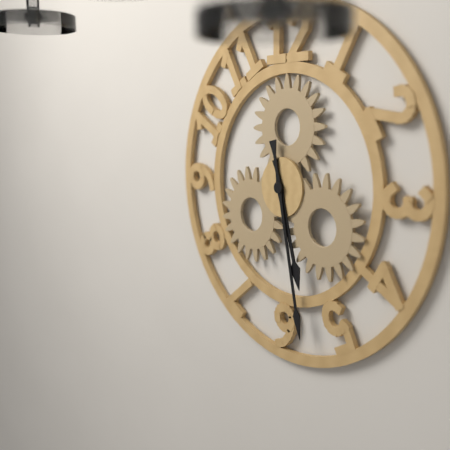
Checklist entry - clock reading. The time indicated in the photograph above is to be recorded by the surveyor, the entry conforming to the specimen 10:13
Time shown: 5:28
